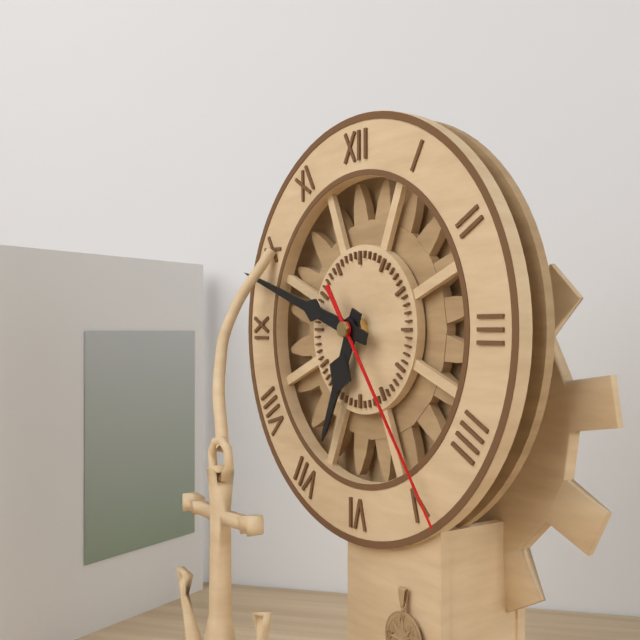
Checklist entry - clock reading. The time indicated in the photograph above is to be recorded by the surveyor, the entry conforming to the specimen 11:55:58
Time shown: 6:48:24
